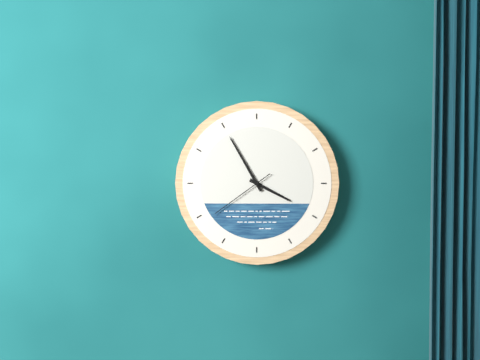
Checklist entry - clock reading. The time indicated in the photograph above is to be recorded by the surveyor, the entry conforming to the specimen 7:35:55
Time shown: 3:55:39
